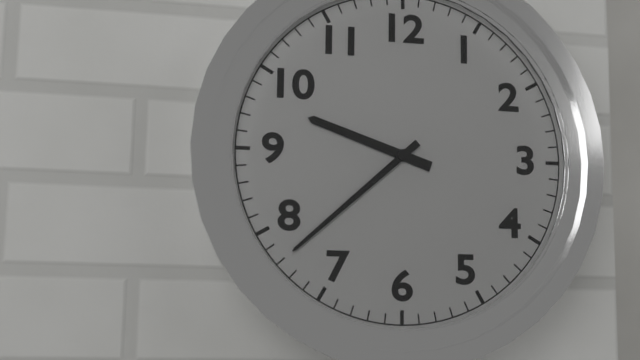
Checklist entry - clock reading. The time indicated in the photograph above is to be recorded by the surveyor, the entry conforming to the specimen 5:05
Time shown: 9:38
